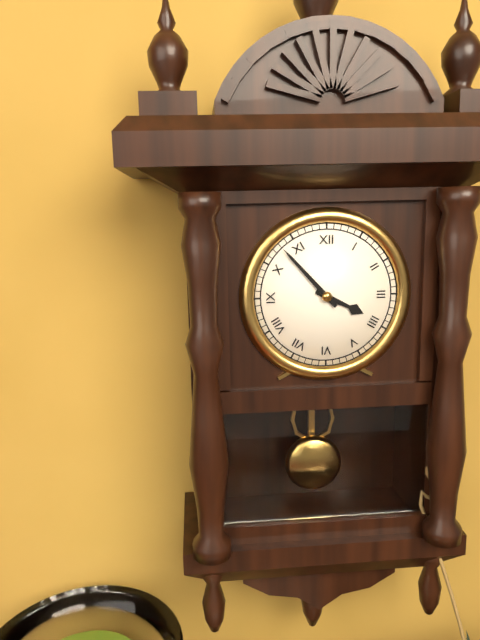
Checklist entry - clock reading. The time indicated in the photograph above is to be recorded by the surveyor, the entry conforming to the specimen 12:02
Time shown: 3:53
